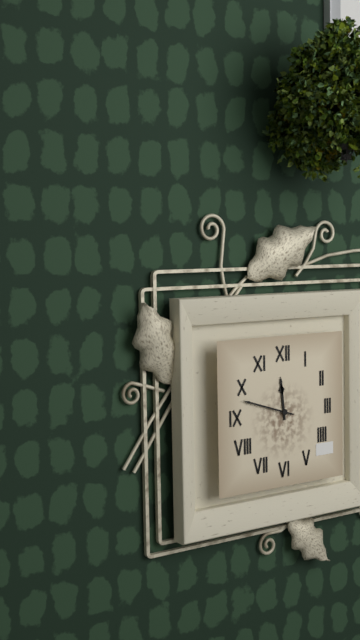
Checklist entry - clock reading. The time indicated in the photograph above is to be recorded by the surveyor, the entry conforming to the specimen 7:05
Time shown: 11:48
